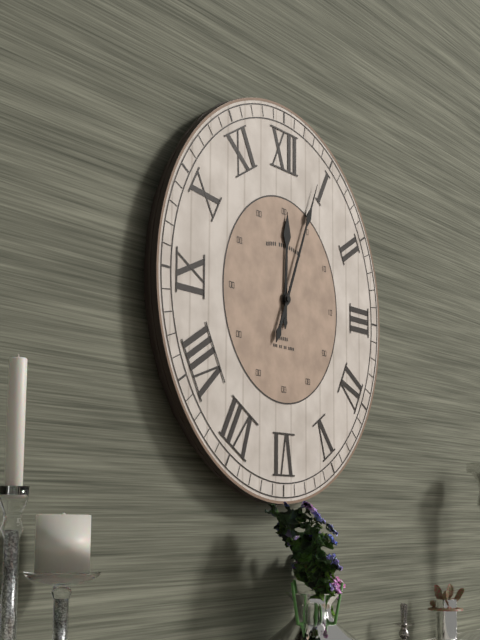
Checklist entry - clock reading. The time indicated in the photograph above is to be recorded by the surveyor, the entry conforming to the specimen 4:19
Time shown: 12:04
